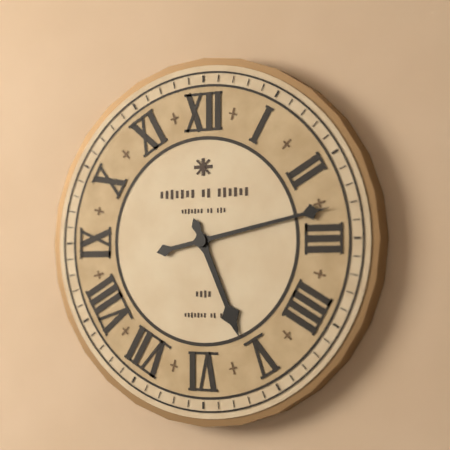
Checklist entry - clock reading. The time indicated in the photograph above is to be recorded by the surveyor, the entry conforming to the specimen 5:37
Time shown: 5:13
